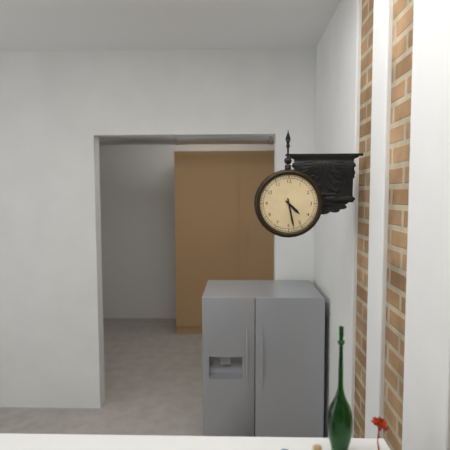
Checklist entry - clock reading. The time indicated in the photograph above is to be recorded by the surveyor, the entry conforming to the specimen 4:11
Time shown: 4:28
